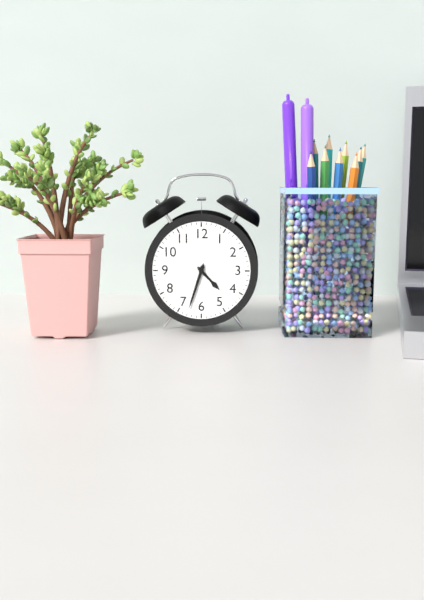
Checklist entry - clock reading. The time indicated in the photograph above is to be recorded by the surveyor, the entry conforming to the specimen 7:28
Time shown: 4:33
